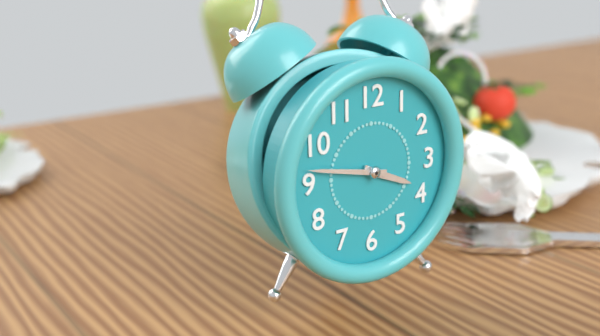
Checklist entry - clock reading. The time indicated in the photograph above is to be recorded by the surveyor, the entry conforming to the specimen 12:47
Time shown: 3:47
